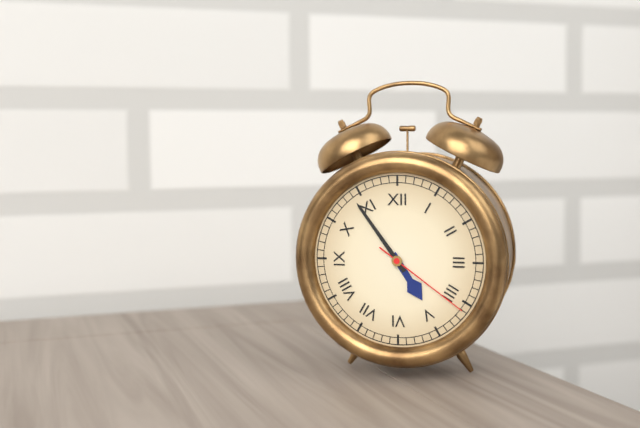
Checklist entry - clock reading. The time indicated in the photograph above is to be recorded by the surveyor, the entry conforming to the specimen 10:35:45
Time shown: 4:54:21
